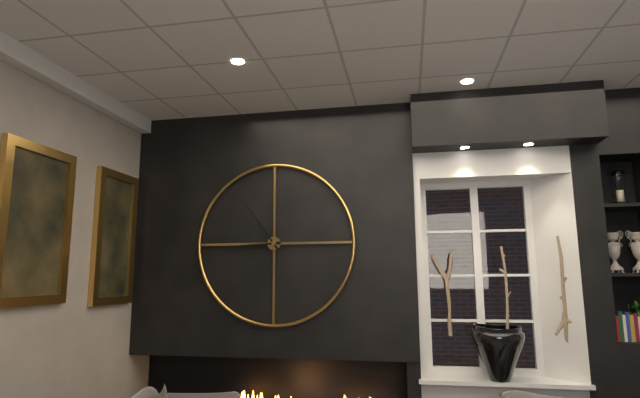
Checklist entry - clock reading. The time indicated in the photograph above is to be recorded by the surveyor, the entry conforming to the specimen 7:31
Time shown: 8:54
